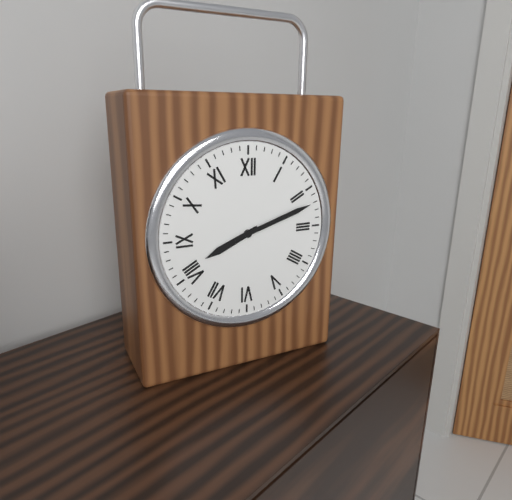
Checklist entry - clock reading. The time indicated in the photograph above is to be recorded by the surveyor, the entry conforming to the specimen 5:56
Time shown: 8:12
